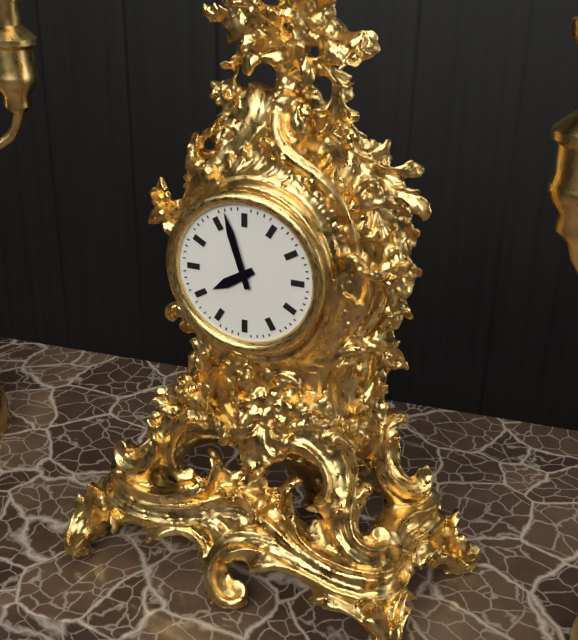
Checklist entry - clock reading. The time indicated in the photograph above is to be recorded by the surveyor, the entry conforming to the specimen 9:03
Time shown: 7:57
